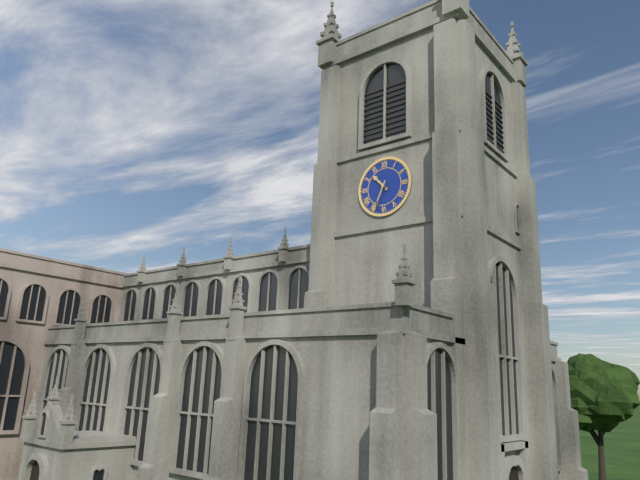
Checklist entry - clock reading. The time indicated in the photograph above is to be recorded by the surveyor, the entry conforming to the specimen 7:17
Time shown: 10:34
